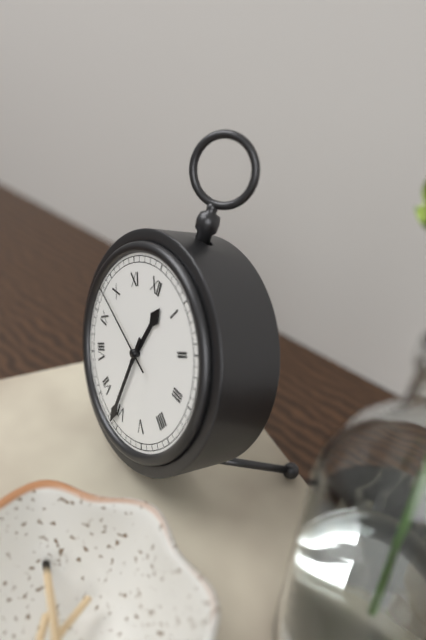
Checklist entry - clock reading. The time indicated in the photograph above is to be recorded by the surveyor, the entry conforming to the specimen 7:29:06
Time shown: 12:31:48
